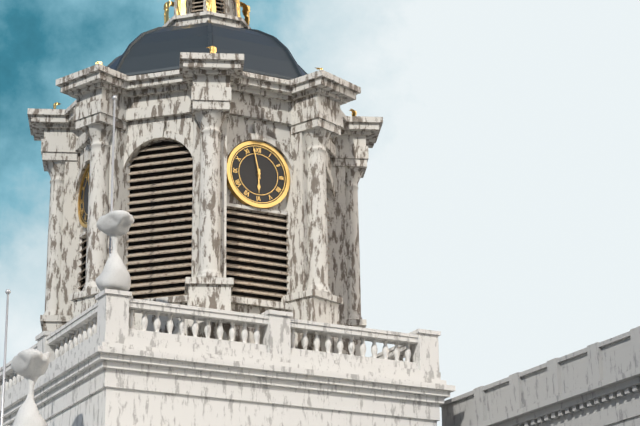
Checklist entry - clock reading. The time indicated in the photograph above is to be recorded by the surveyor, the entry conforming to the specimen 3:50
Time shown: 5:58
